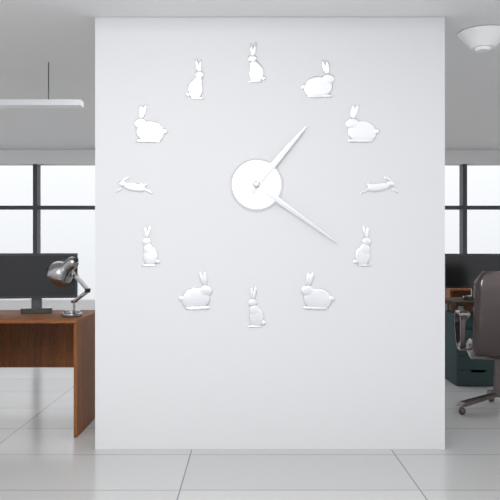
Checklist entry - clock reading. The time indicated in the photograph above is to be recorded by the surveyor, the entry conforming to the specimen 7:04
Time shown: 1:21
